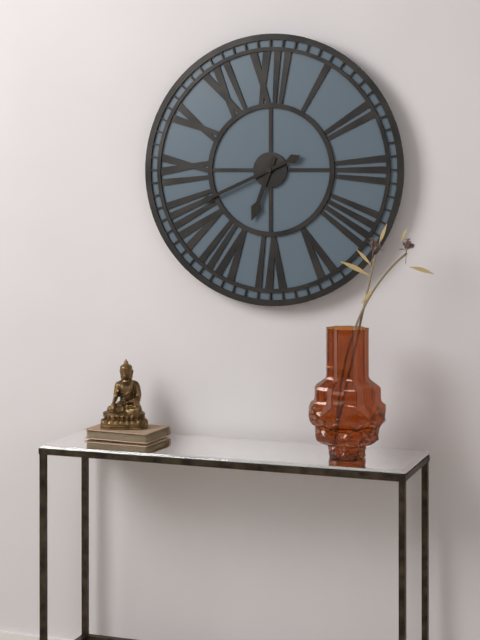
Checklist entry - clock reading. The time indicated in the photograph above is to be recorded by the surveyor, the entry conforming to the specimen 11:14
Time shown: 6:41
